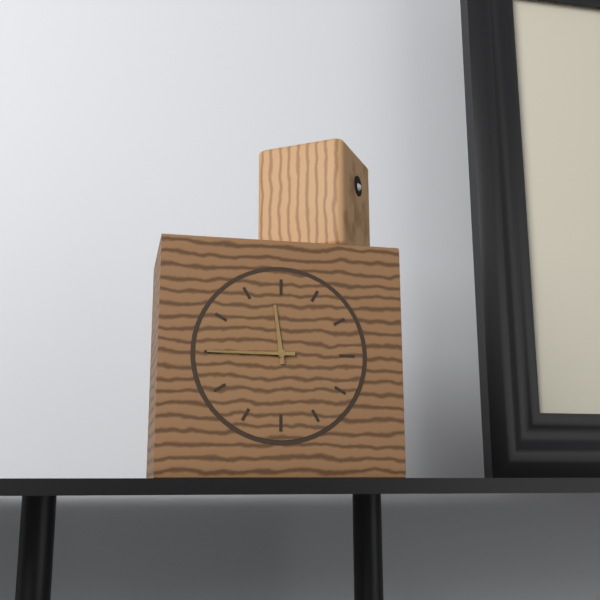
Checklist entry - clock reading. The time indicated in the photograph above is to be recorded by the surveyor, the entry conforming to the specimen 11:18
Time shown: 11:45
